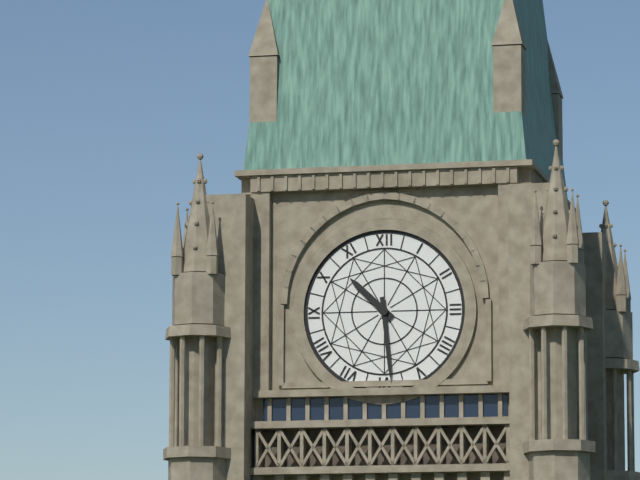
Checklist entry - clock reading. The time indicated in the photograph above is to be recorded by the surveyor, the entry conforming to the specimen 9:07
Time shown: 10:29
